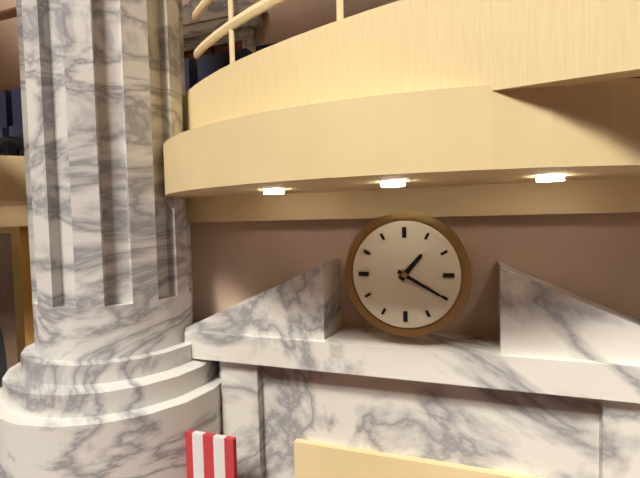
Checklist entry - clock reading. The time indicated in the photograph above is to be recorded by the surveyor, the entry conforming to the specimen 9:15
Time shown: 1:20
